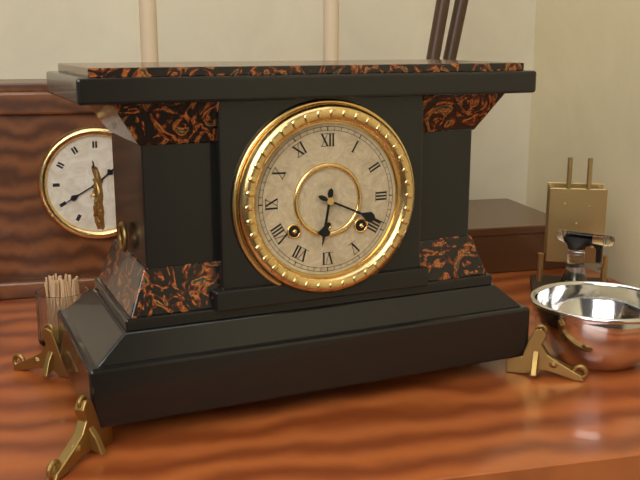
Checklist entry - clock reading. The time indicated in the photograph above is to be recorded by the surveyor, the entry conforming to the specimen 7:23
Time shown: 6:19
